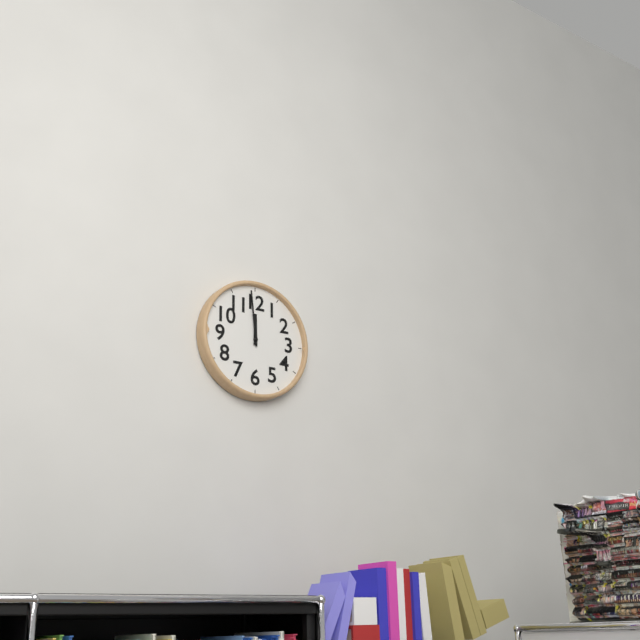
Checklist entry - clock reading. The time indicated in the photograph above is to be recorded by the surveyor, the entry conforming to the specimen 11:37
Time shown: 11:59
